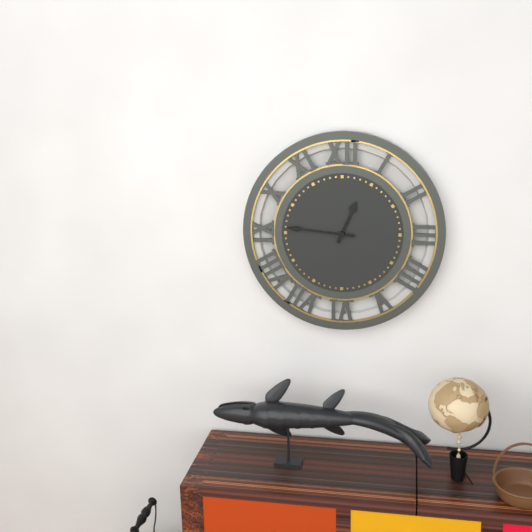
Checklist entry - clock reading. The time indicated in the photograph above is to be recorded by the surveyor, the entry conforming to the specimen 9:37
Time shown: 12:46
